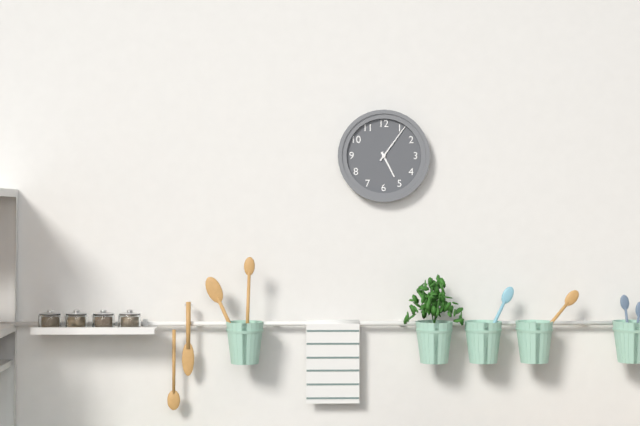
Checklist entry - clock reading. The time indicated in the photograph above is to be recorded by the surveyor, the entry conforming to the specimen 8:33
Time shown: 5:06
